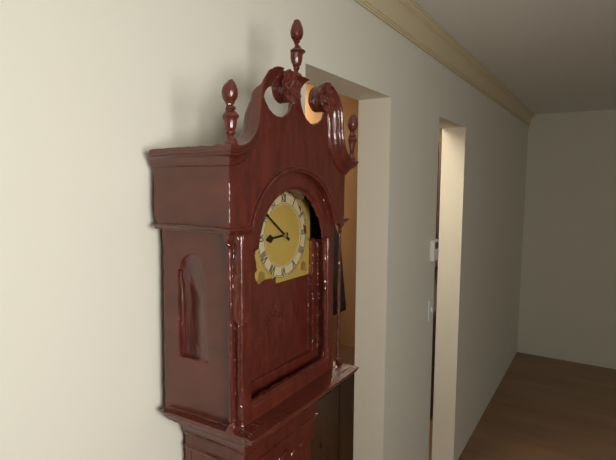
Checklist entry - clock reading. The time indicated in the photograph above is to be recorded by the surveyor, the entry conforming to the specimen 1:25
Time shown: 8:51
